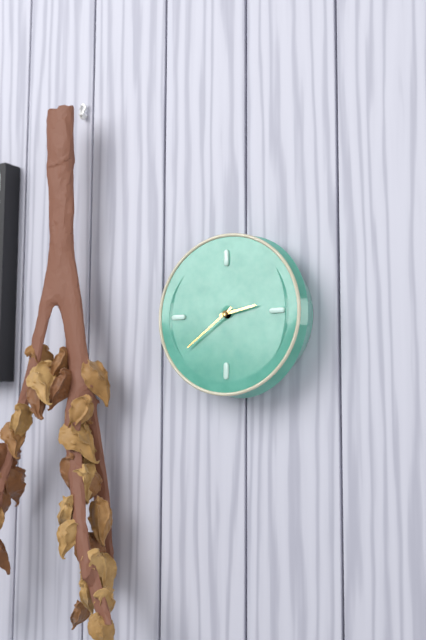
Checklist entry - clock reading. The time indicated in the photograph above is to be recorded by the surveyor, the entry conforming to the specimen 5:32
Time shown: 2:39
